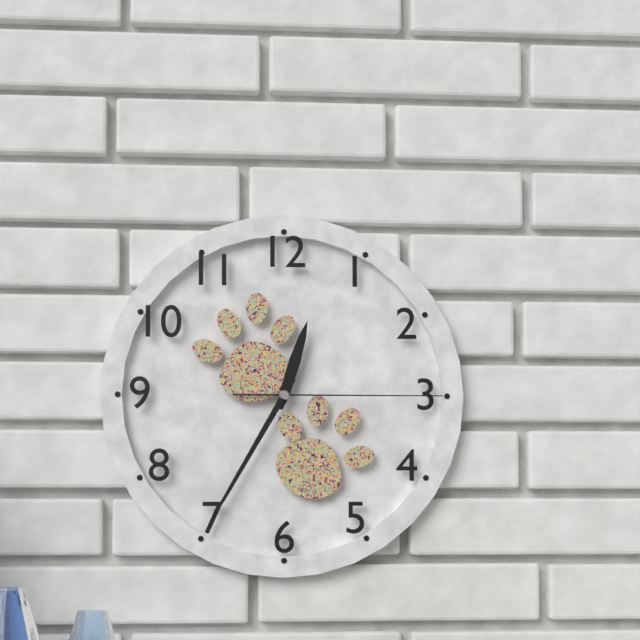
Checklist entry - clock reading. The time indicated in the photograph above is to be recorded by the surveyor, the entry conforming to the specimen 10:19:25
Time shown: 12:35:15
